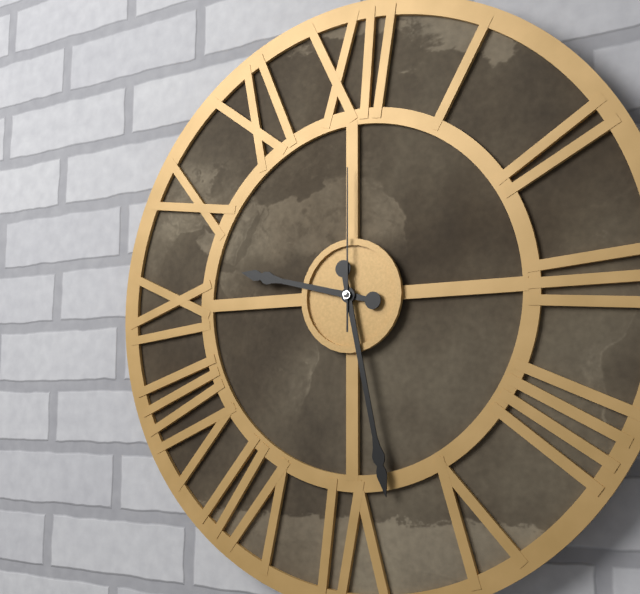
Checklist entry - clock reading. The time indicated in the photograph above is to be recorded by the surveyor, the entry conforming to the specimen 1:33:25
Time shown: 9:28:00
